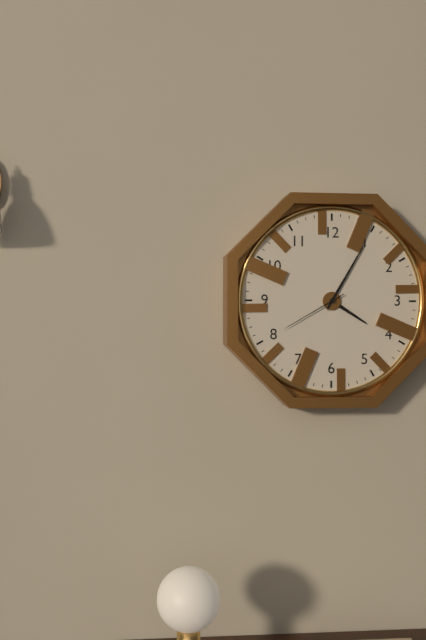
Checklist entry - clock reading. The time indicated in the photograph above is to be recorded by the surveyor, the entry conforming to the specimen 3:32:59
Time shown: 4:05:40
